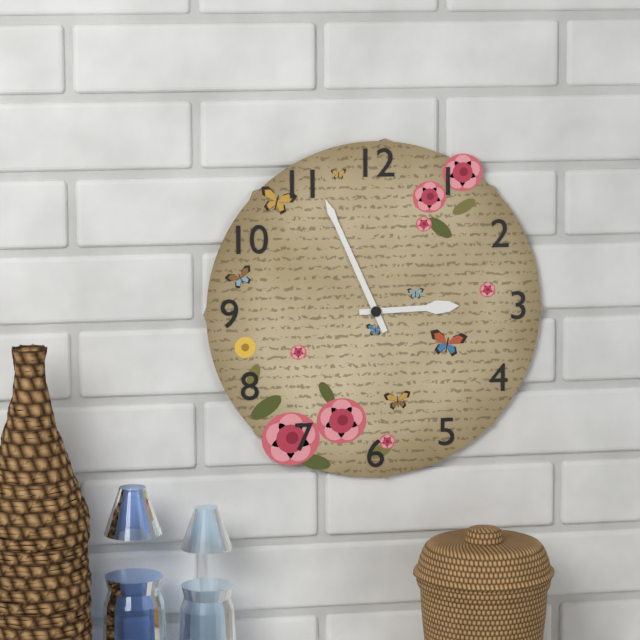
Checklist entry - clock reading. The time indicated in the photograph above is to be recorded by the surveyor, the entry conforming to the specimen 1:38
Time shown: 2:56
